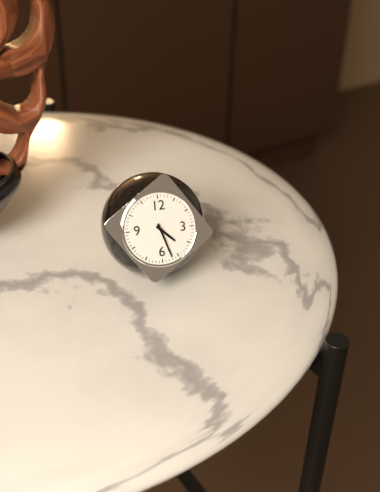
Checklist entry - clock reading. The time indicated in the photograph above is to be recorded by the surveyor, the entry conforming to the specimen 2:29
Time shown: 4:27
